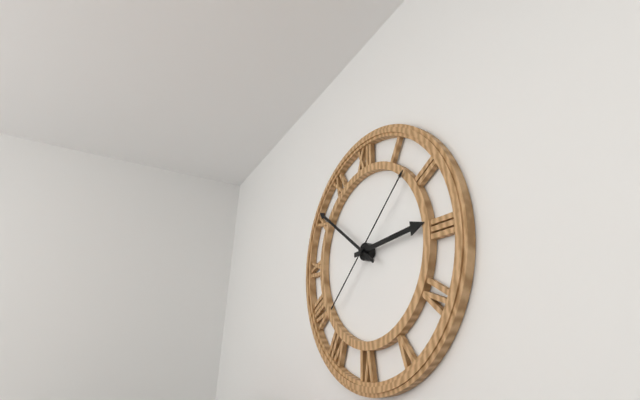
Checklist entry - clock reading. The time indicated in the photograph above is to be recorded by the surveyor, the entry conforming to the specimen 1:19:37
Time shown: 2:51:08
